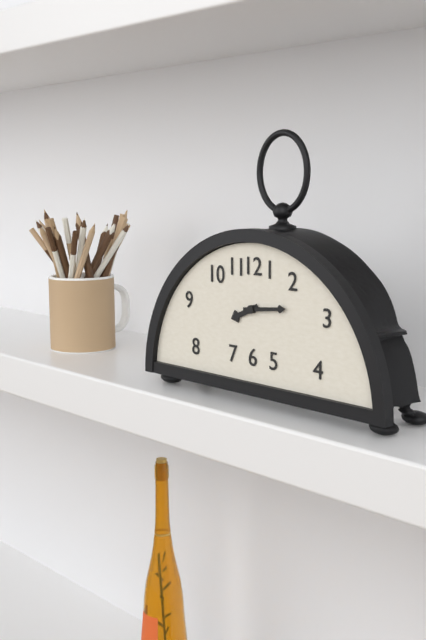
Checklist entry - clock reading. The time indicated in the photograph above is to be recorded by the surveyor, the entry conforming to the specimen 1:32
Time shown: 8:14
